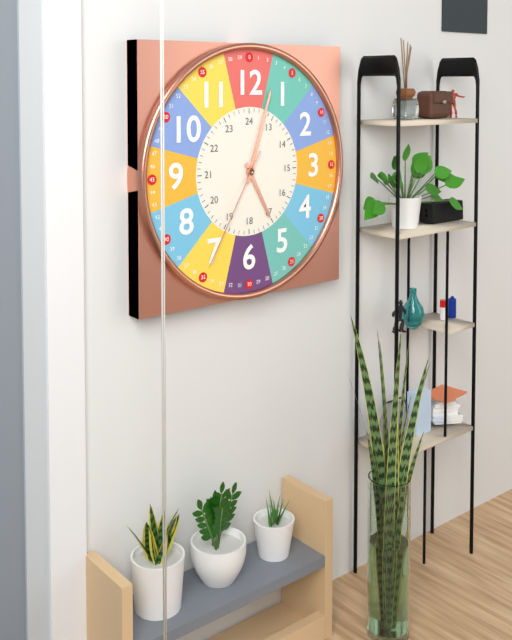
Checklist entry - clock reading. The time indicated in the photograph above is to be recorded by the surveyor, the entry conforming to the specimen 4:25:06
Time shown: 5:03:35
